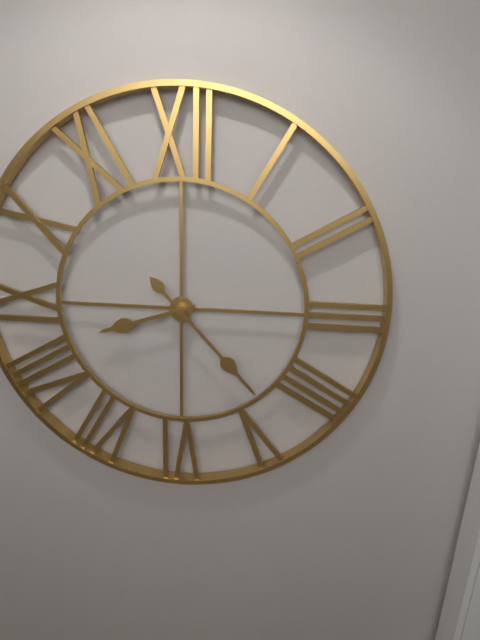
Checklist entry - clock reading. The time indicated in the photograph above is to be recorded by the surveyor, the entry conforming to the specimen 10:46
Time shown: 8:23
